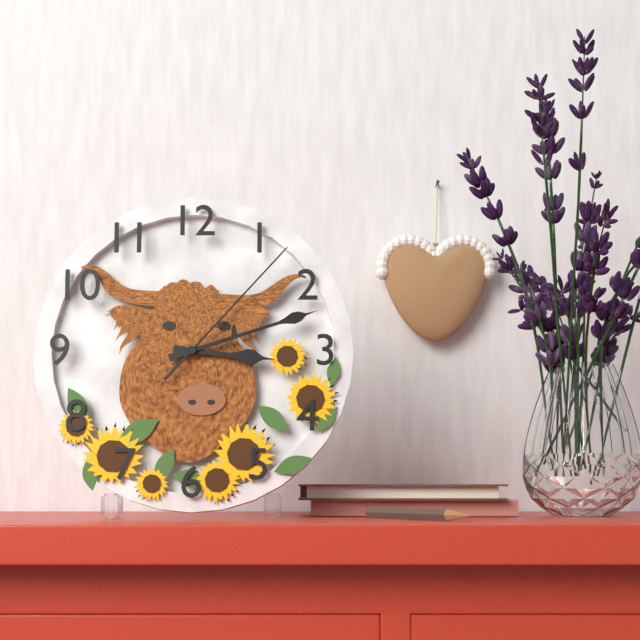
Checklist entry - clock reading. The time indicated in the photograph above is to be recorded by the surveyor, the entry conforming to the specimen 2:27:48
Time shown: 3:12:07
